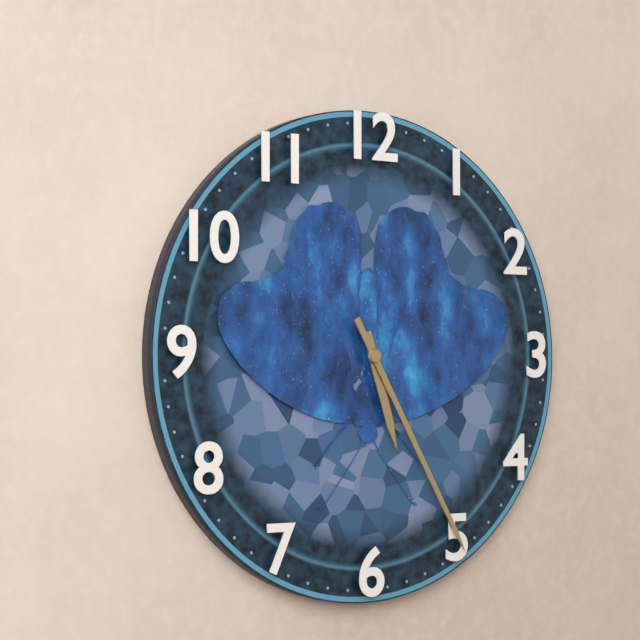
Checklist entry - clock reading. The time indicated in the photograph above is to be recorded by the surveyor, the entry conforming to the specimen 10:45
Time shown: 5:25
